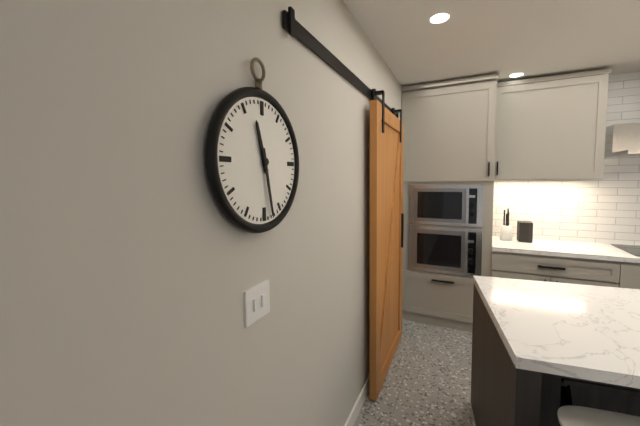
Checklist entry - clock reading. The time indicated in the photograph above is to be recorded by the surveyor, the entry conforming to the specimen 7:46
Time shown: 11:28
